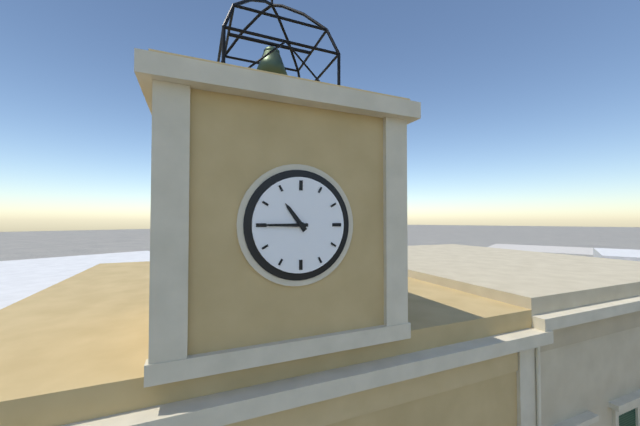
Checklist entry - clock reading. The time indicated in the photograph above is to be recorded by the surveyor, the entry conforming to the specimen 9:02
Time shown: 10:45
